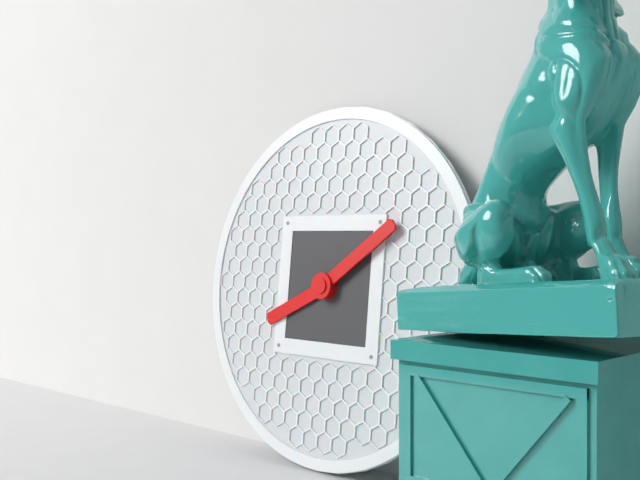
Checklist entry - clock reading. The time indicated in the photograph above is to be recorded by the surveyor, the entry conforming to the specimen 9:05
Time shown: 8:09
